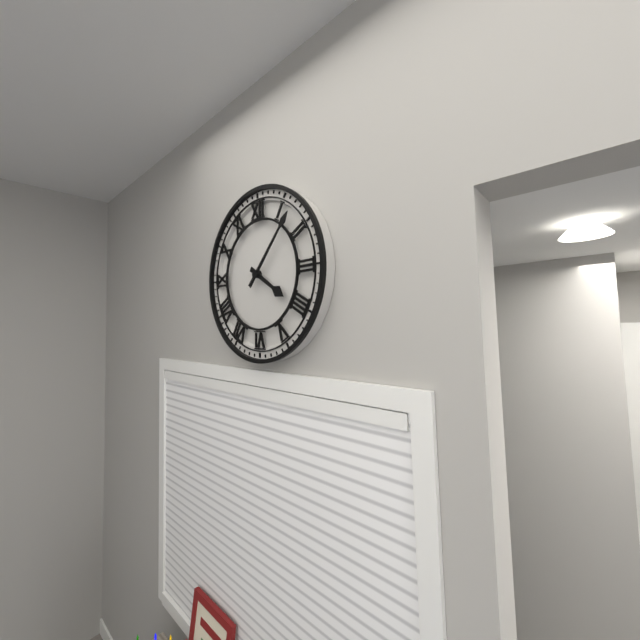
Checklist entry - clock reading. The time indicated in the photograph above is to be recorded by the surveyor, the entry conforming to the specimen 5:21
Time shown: 4:07
